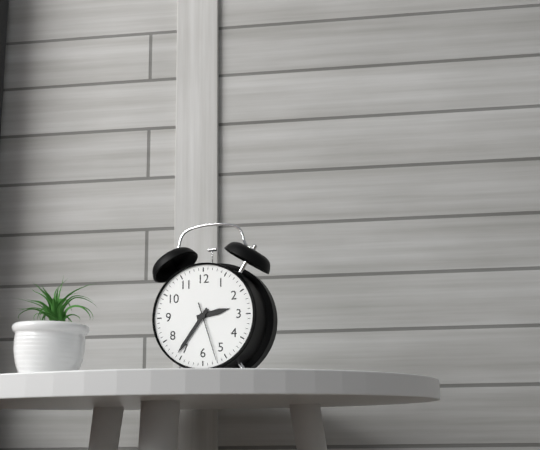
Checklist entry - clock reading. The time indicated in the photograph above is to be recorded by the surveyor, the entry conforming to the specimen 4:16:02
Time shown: 2:36:27
